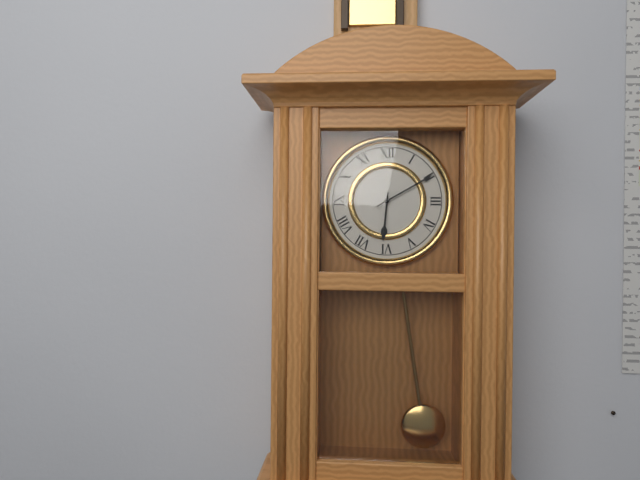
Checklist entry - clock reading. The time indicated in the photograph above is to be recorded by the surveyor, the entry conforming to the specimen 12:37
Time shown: 6:10
